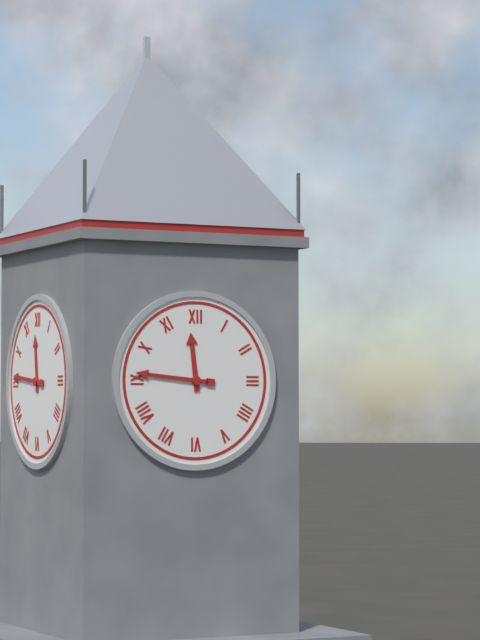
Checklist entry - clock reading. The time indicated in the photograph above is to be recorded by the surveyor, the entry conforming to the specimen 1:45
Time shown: 11:46
